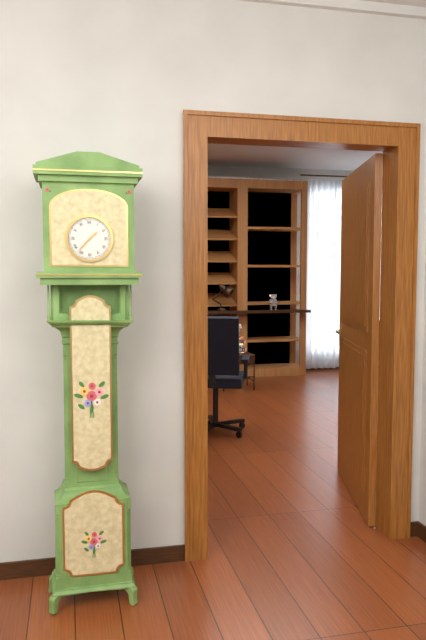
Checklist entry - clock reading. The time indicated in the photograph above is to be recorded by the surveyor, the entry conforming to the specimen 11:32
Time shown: 1:37
